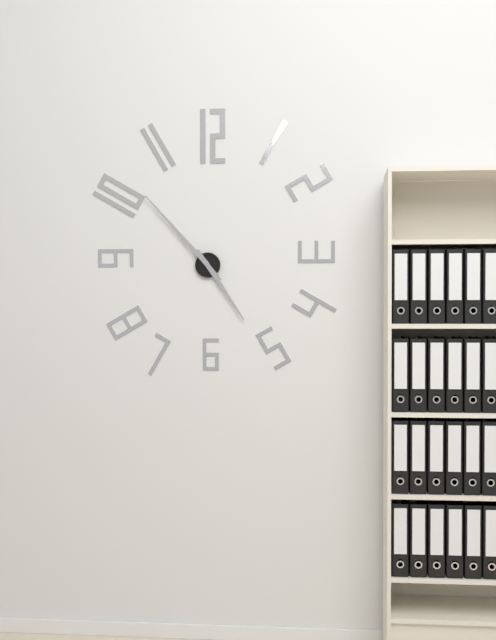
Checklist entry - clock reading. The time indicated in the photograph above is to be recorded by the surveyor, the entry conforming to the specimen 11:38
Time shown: 4:53
